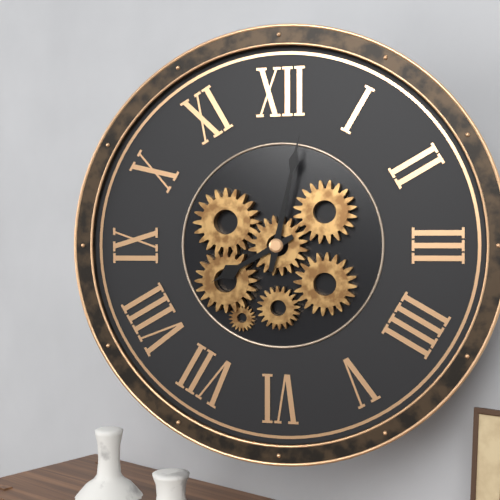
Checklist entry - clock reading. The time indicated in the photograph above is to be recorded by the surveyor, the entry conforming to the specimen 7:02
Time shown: 8:02
